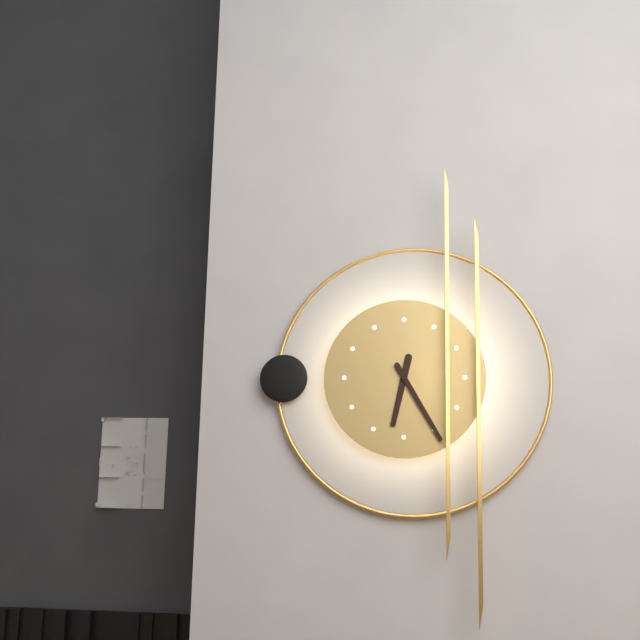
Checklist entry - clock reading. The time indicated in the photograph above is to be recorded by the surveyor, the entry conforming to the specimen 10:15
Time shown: 6:25
